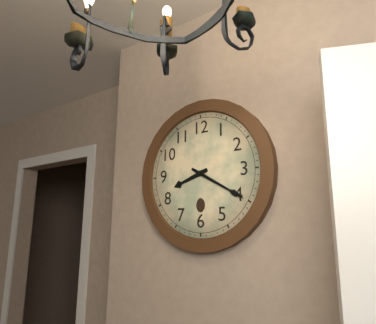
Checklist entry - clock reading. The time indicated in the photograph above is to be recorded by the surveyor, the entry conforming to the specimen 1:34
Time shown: 8:20
